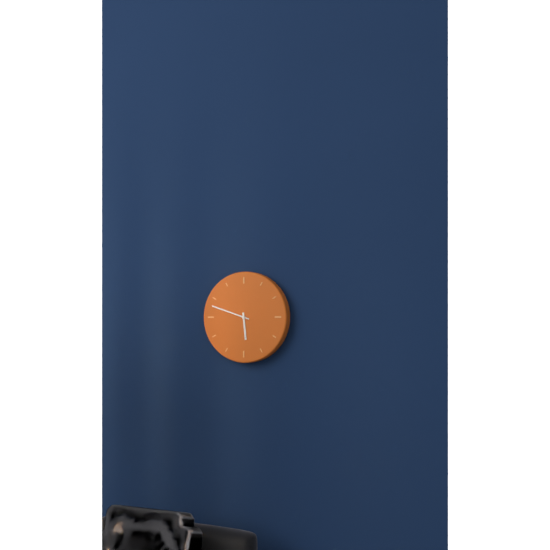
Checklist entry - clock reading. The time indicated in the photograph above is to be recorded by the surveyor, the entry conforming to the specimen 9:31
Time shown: 5:48
